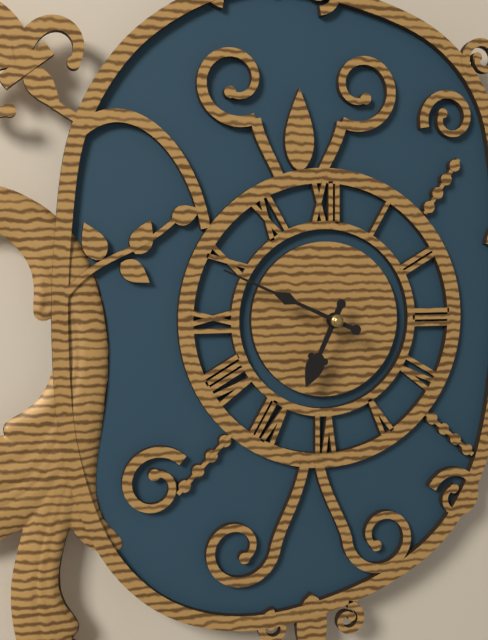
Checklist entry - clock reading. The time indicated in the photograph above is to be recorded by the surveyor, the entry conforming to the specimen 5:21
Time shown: 6:49
